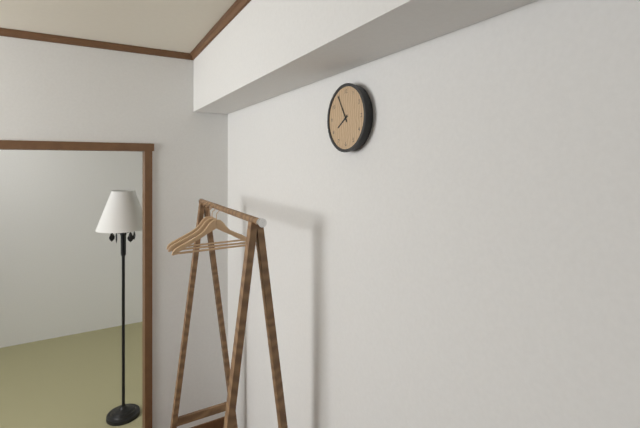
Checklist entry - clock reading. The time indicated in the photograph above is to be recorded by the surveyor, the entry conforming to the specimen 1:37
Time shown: 7:55
